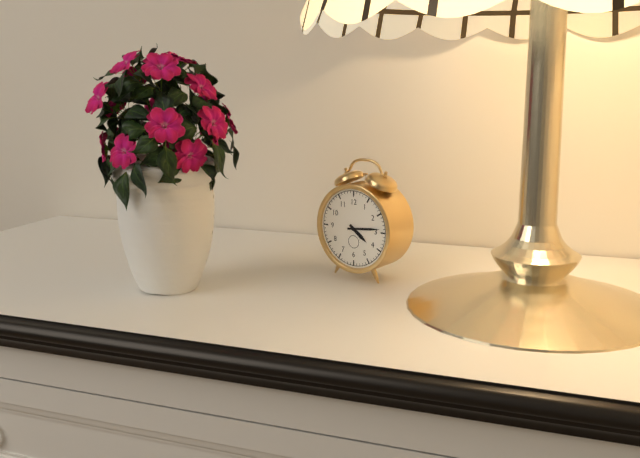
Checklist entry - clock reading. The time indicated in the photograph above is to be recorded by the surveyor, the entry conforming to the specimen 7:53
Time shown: 4:14
